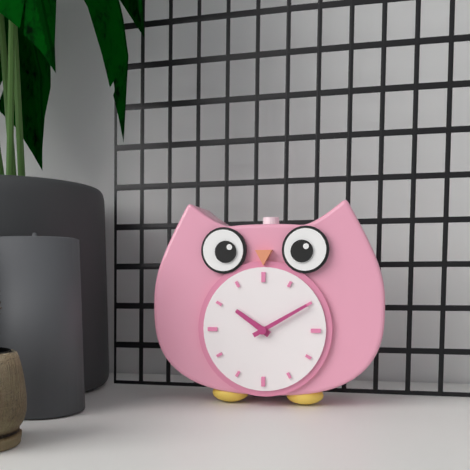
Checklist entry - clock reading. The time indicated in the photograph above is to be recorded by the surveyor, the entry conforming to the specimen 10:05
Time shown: 10:10
